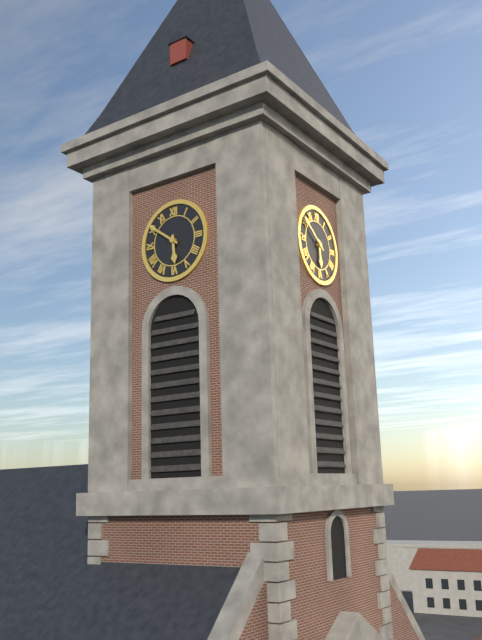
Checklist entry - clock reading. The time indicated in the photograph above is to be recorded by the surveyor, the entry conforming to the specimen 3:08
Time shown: 5:51
